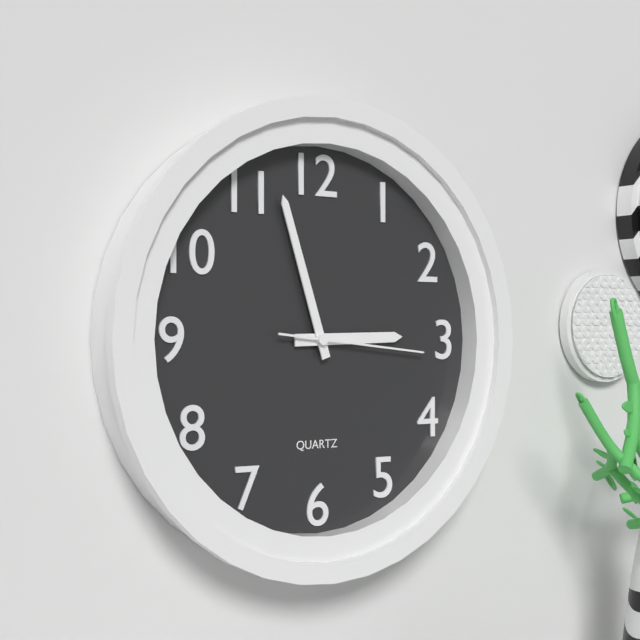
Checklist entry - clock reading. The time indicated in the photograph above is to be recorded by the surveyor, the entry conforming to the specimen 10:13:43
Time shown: 2:57:16
